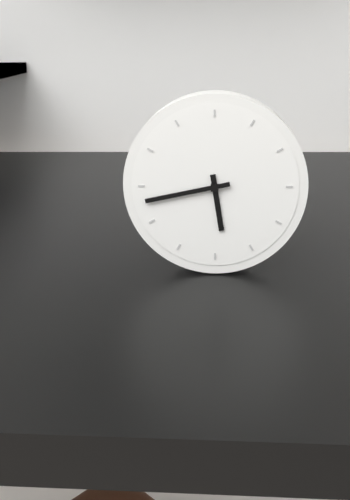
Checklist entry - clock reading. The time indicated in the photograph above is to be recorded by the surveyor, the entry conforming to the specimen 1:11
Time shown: 5:43
